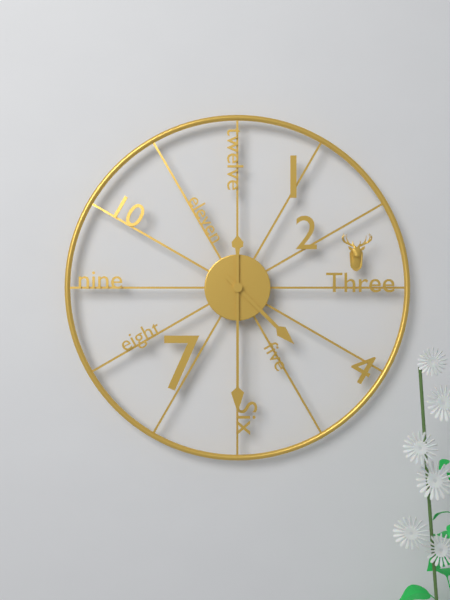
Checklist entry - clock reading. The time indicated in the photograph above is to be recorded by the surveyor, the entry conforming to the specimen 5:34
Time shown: 4:30
